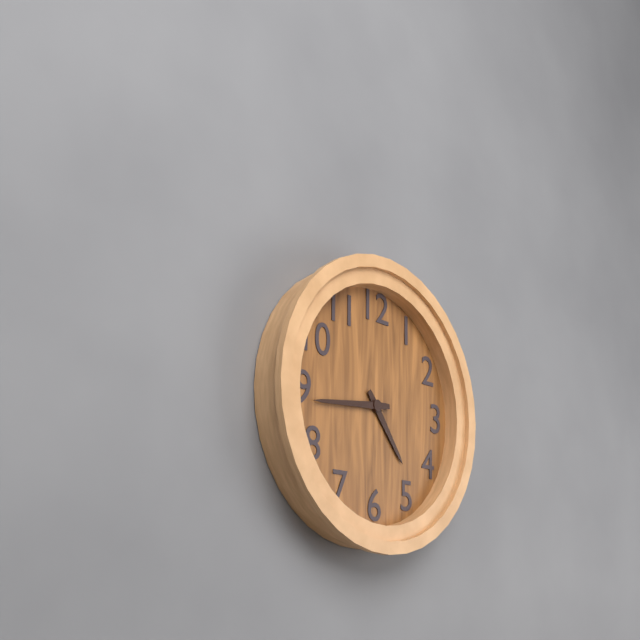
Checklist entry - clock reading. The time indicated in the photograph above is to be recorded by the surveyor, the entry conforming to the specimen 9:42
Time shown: 4:44
